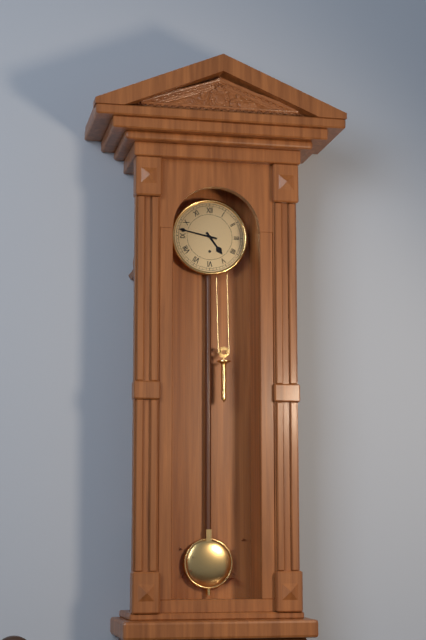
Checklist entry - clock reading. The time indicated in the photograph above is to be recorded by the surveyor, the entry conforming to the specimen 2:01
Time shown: 4:47
